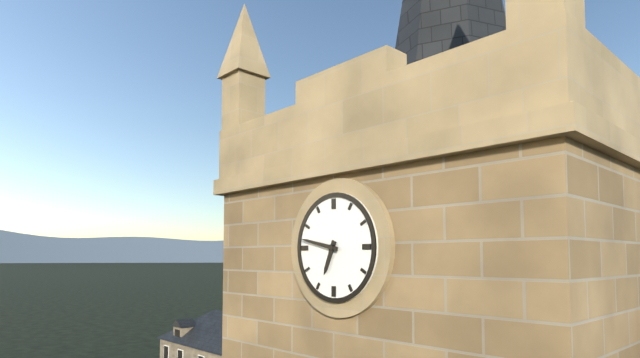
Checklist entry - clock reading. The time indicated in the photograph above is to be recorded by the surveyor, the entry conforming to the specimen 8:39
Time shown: 6:47
